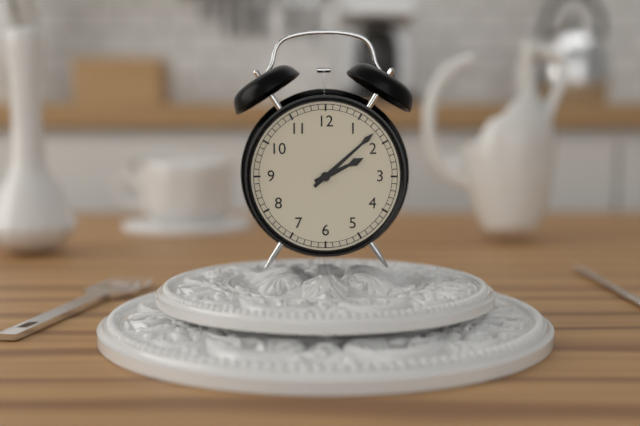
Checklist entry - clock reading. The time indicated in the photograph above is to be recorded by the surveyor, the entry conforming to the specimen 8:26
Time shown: 2:08
